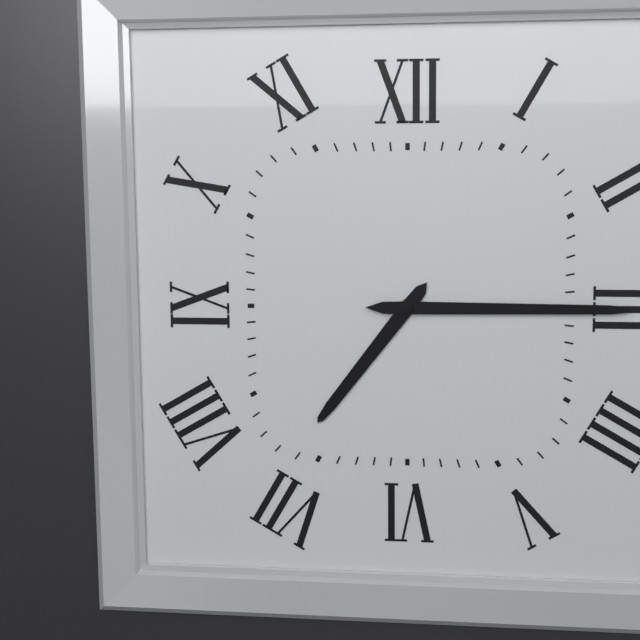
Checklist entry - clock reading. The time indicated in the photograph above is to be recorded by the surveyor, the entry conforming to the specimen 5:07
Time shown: 7:15
